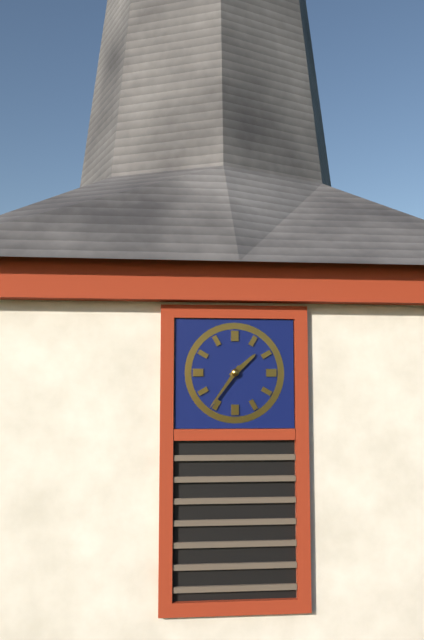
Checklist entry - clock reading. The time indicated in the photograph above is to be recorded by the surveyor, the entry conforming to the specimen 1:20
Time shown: 1:36
